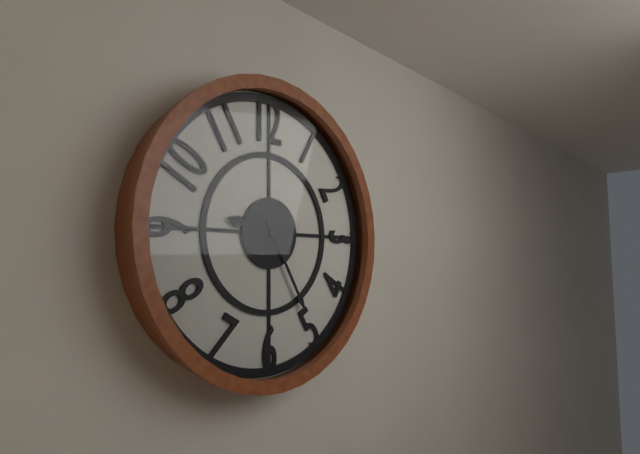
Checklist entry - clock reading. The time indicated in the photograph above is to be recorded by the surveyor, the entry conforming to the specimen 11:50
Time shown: 9:25
